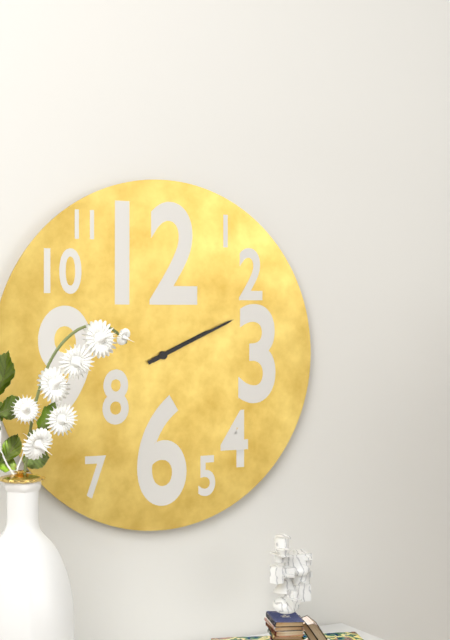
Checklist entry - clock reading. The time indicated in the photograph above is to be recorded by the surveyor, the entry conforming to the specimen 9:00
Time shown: 2:11
